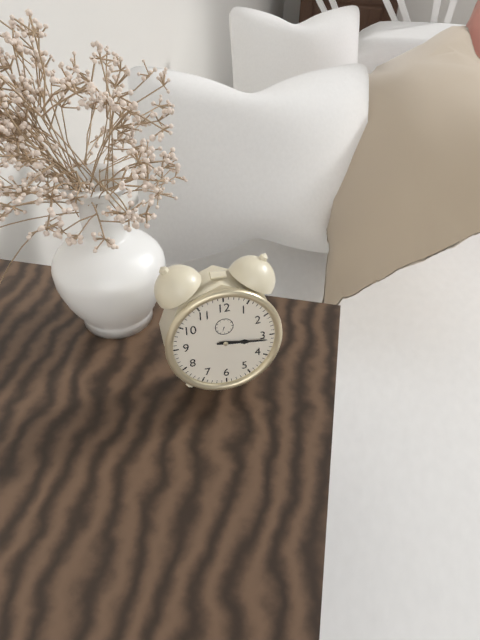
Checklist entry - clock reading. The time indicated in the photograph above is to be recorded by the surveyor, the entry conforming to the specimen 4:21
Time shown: 3:16
